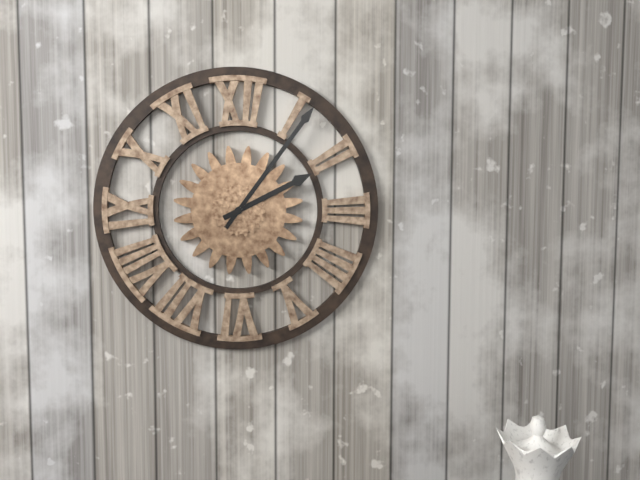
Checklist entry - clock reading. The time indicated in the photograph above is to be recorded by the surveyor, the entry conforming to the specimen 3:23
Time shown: 2:06
